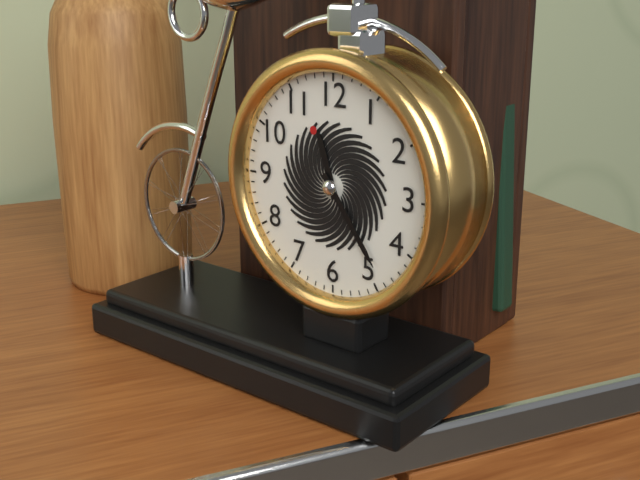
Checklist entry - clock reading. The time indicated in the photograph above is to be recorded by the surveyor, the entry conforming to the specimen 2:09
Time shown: 11:24
